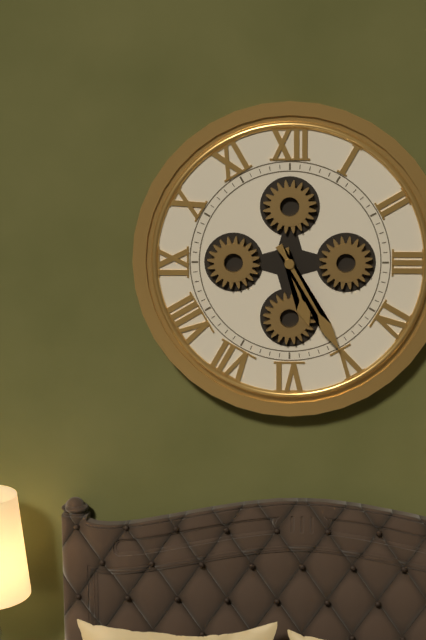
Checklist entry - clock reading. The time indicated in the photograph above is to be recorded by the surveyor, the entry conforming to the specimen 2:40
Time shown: 5:25
